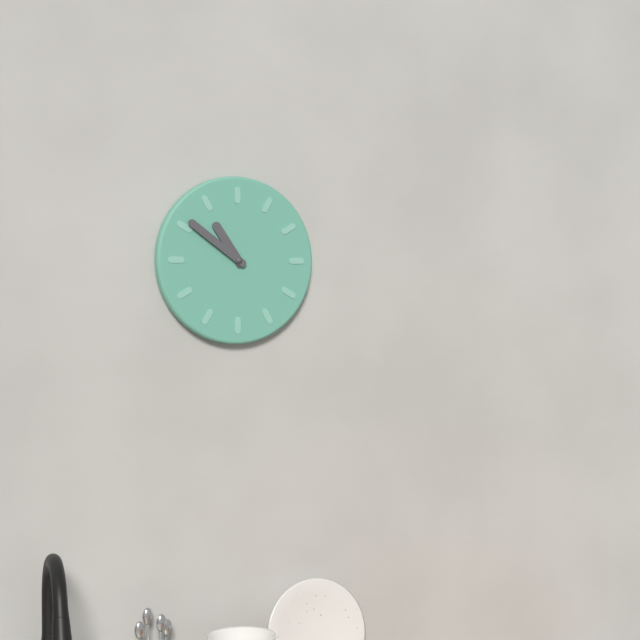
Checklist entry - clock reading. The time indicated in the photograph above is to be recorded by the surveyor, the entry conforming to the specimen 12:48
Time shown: 10:51
